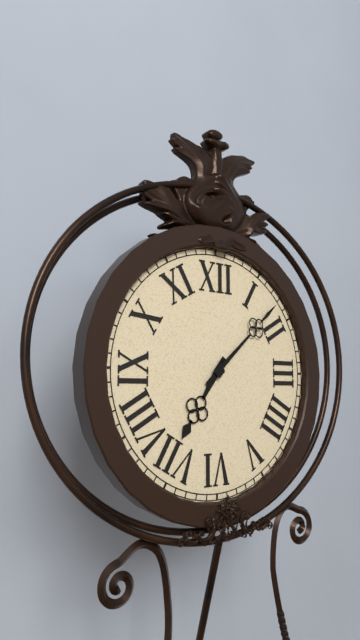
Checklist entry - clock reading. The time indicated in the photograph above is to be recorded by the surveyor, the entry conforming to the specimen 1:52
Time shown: 7:08
